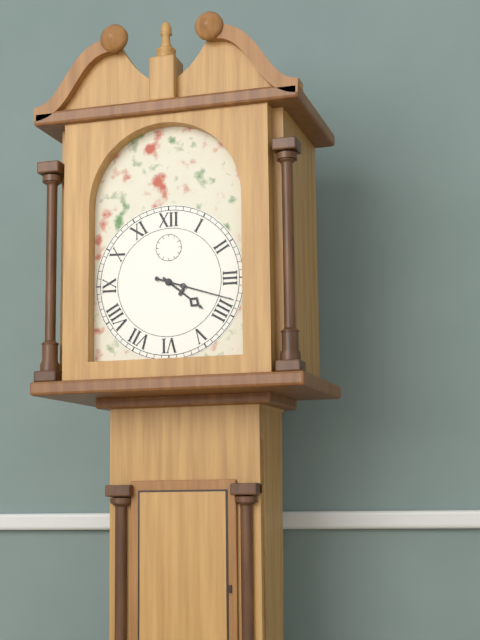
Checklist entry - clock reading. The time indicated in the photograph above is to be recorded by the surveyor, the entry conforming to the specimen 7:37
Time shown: 4:18
